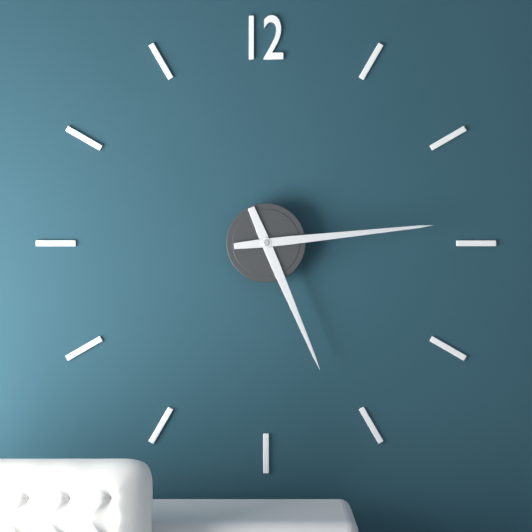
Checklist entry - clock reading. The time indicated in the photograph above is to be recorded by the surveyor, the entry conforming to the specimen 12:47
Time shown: 5:14
